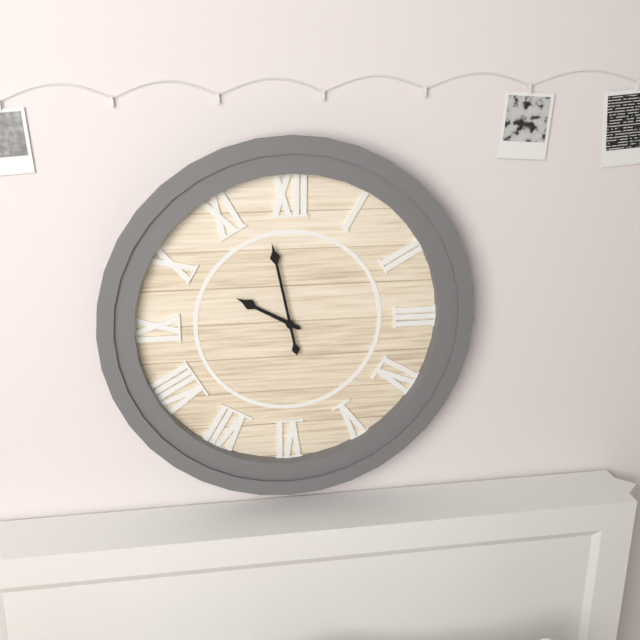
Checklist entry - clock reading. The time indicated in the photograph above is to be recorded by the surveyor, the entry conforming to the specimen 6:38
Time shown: 9:58
